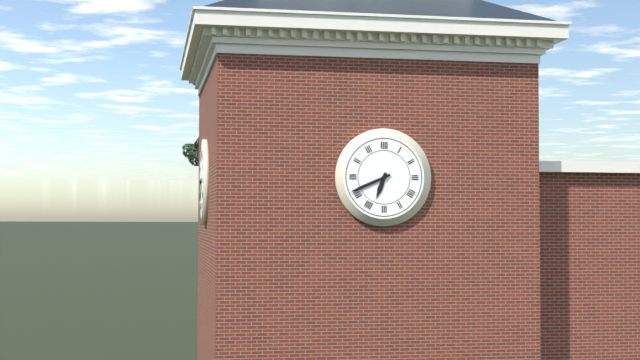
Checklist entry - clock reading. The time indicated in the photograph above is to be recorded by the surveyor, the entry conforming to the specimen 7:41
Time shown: 6:41
